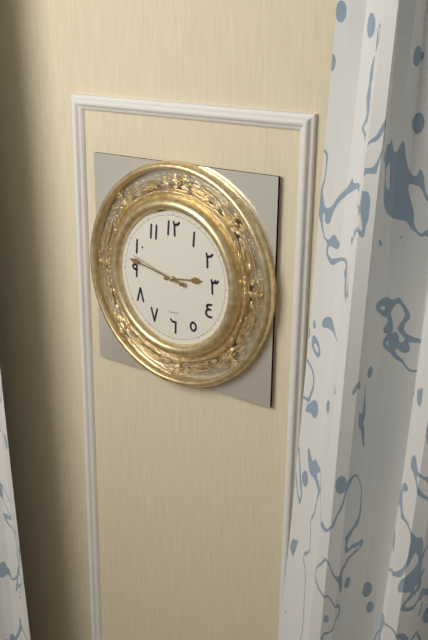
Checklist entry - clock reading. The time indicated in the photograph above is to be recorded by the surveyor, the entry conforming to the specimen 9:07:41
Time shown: 2:47:48
